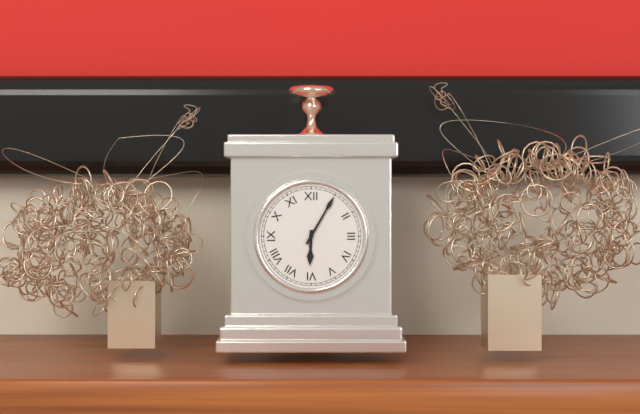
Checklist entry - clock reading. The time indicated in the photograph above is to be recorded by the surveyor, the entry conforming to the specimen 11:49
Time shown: 6:05
